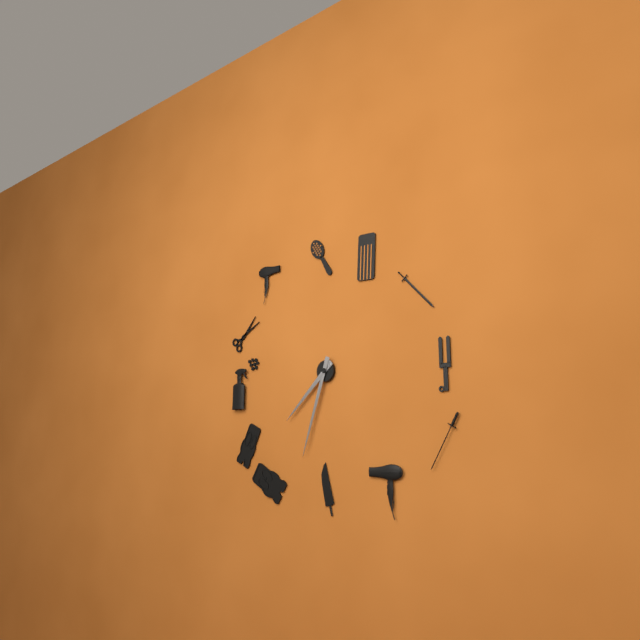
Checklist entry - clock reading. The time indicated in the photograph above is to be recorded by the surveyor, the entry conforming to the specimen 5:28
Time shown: 7:33
